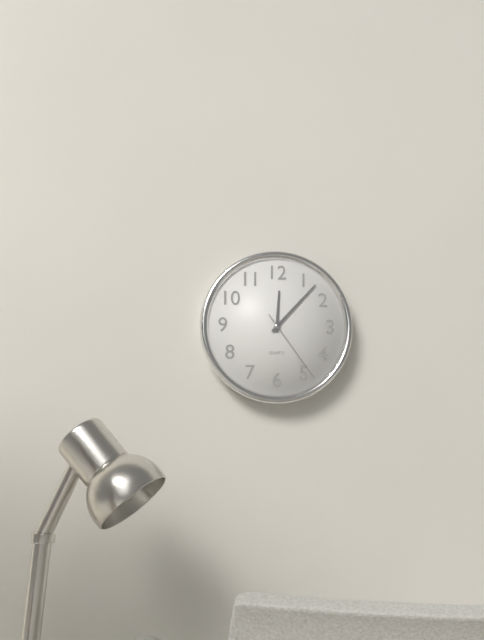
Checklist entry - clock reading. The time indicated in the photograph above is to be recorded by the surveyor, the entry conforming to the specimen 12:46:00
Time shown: 12:07:24
